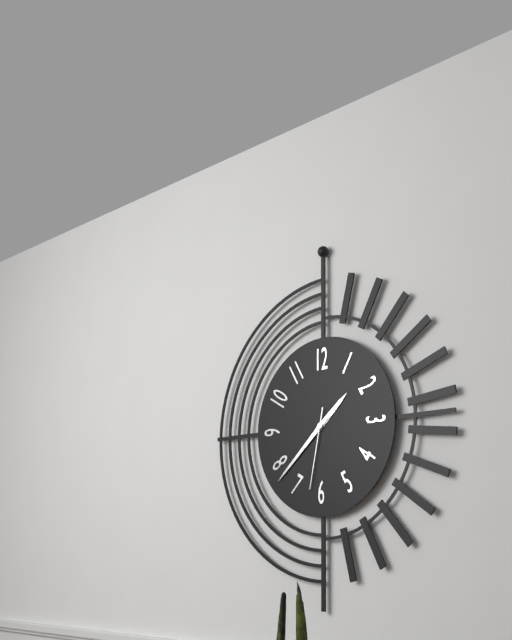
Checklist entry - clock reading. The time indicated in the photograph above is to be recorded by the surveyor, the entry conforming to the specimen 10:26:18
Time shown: 1:38:32
